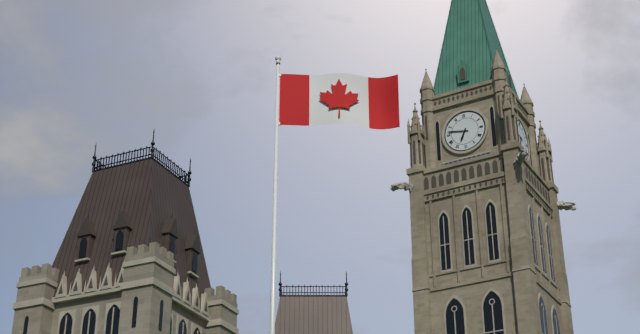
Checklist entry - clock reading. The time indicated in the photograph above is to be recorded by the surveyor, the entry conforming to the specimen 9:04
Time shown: 6:47
